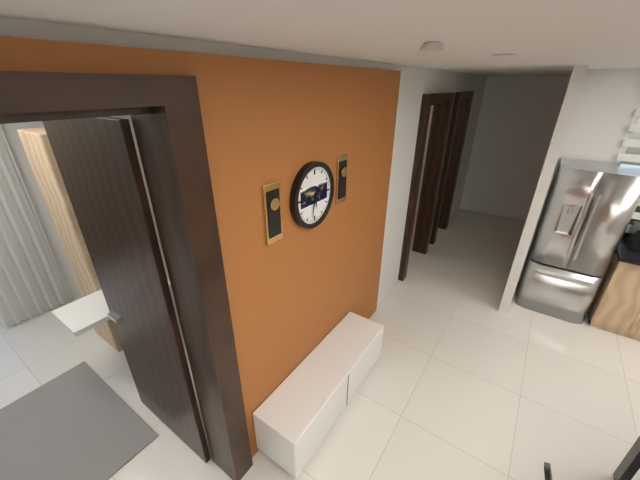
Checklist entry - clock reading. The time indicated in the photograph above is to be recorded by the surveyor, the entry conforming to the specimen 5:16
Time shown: 5:32
